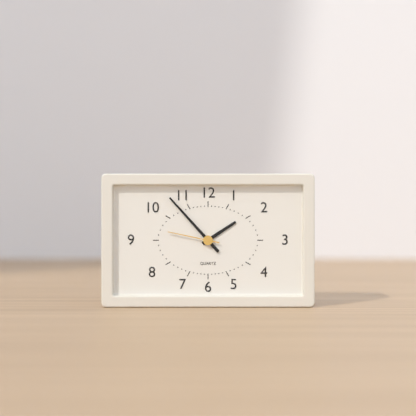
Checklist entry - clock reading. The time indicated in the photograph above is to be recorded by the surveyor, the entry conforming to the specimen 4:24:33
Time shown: 1:53:47
